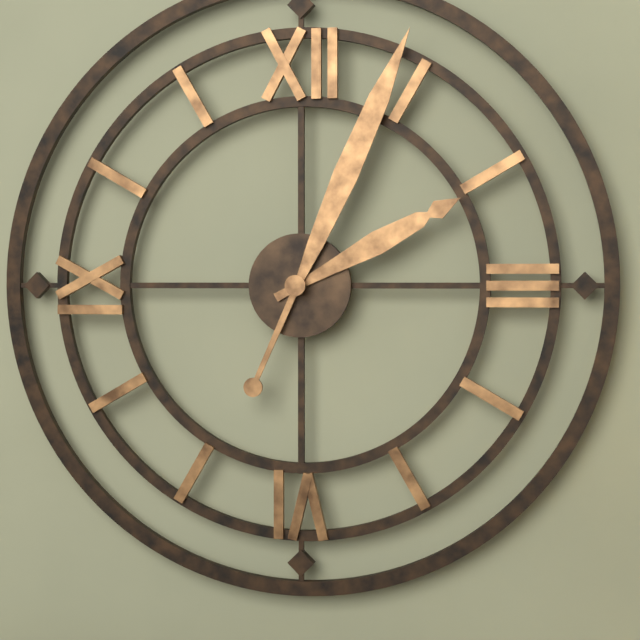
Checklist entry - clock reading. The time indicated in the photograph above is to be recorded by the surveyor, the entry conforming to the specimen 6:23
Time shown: 2:04
